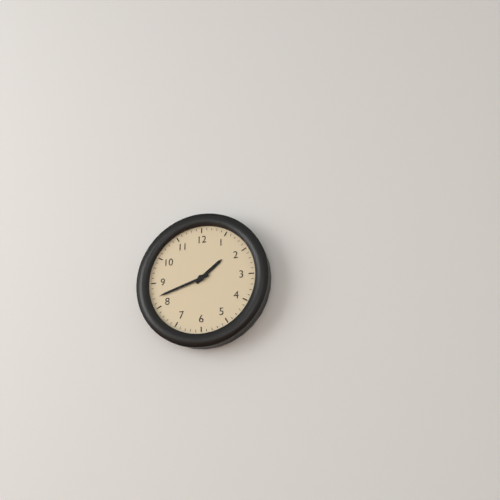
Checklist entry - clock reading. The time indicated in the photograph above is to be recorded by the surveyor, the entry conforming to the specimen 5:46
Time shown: 1:42
